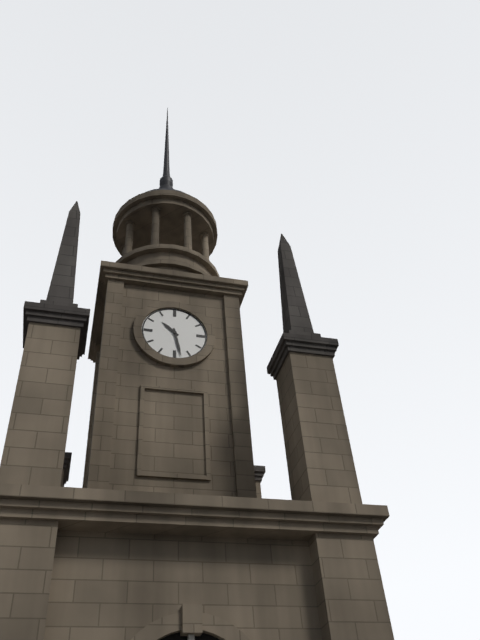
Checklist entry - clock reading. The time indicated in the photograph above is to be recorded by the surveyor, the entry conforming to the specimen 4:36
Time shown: 10:28
